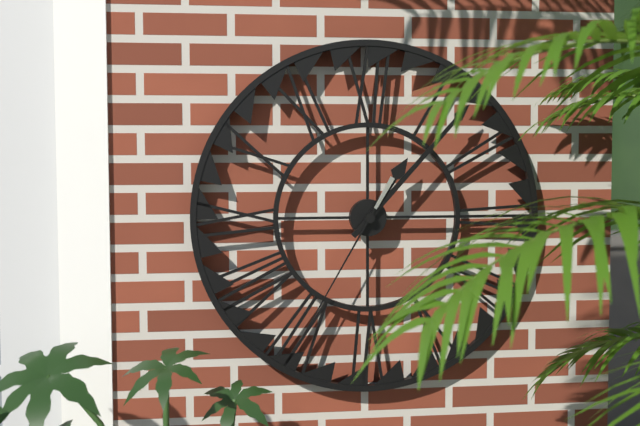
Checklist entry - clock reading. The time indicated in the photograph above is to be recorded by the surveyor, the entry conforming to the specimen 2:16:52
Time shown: 1:07:35
